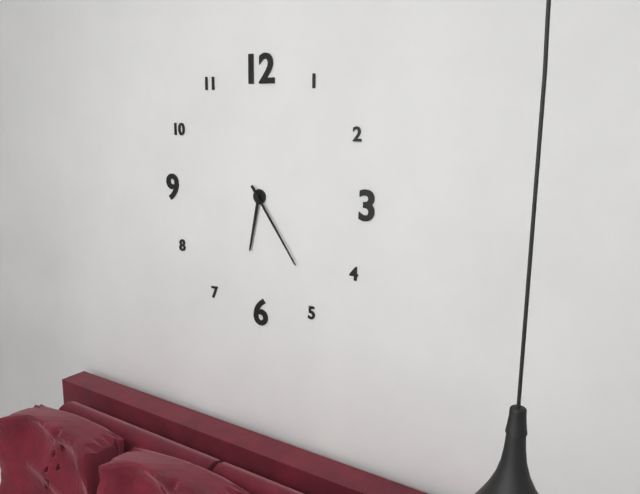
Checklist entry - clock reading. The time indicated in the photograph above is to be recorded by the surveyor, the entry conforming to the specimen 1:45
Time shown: 6:24
